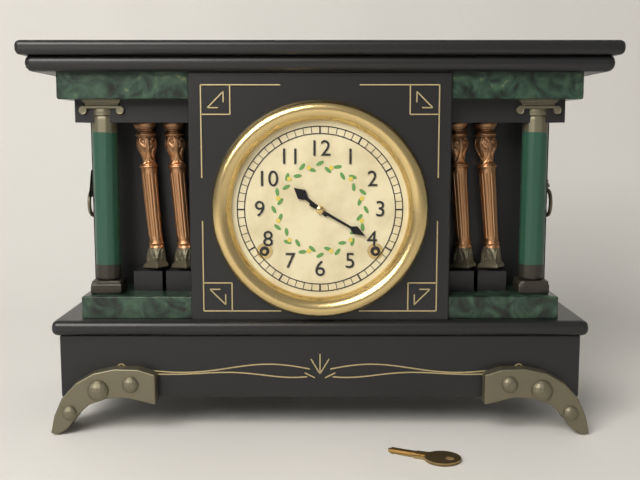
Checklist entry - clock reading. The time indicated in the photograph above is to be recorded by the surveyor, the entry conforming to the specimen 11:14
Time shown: 10:20
